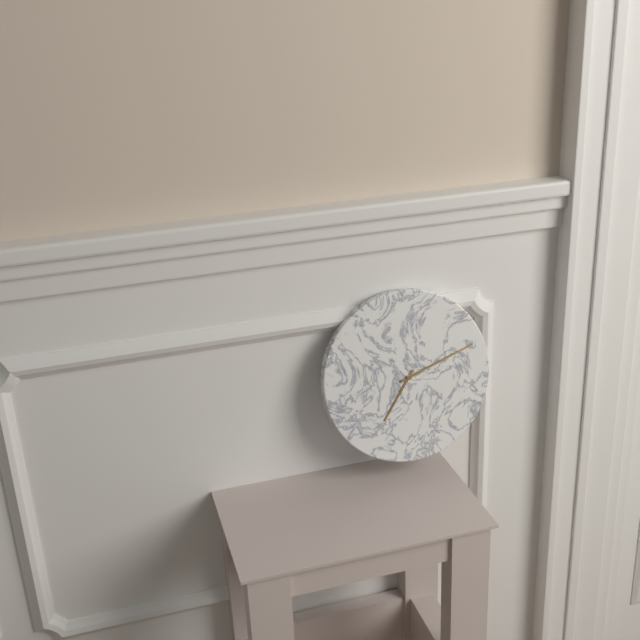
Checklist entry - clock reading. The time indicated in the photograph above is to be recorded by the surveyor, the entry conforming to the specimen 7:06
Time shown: 7:12
